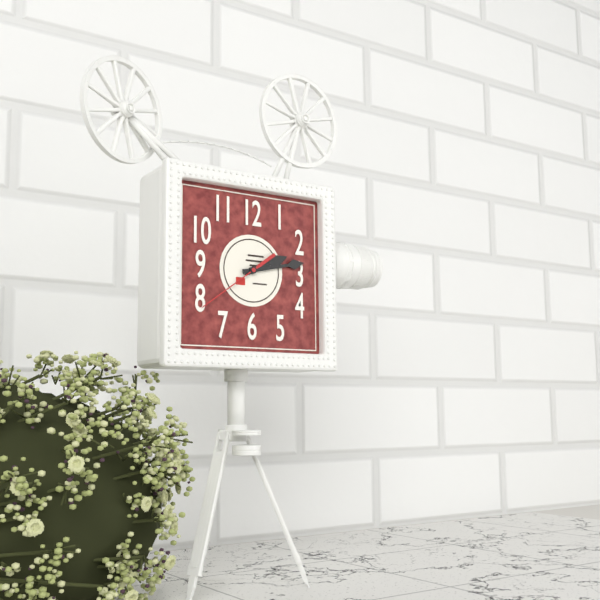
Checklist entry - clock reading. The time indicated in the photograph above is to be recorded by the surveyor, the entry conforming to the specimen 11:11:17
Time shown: 2:13:39
